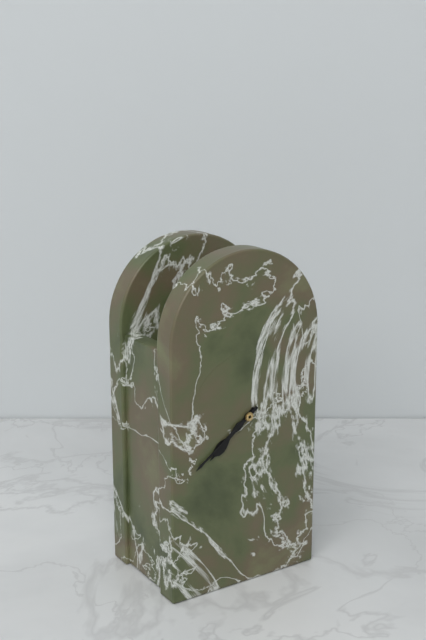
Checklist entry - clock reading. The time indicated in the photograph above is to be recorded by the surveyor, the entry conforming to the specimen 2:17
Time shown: 7:39
